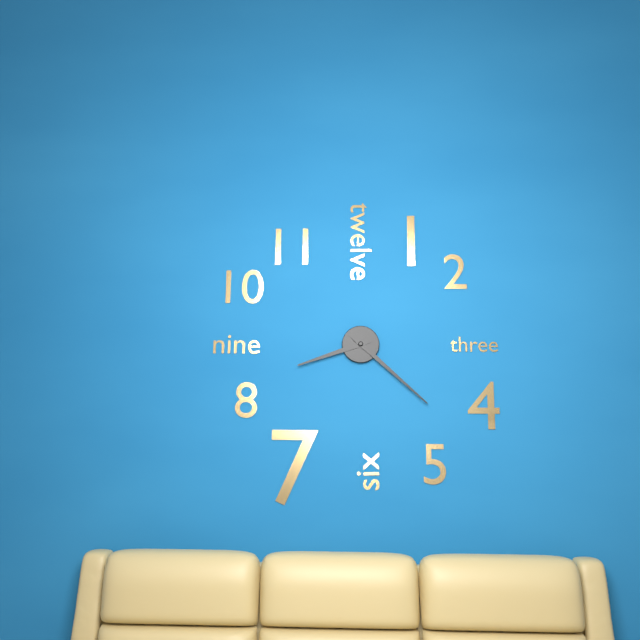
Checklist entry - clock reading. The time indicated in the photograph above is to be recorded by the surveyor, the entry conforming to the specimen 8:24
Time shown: 8:22
